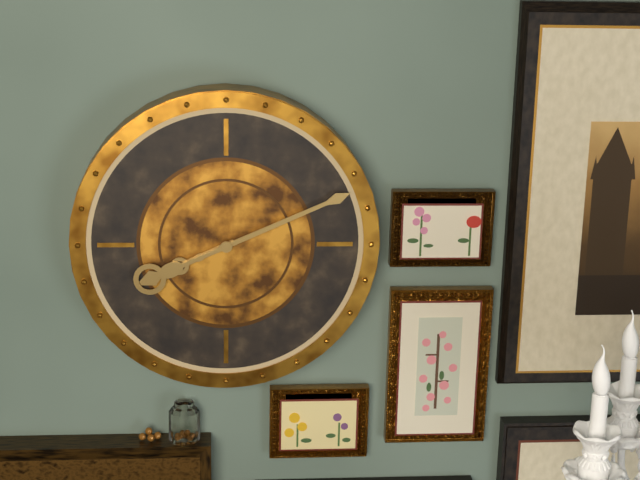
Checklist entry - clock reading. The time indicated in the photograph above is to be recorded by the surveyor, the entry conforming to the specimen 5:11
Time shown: 8:11
